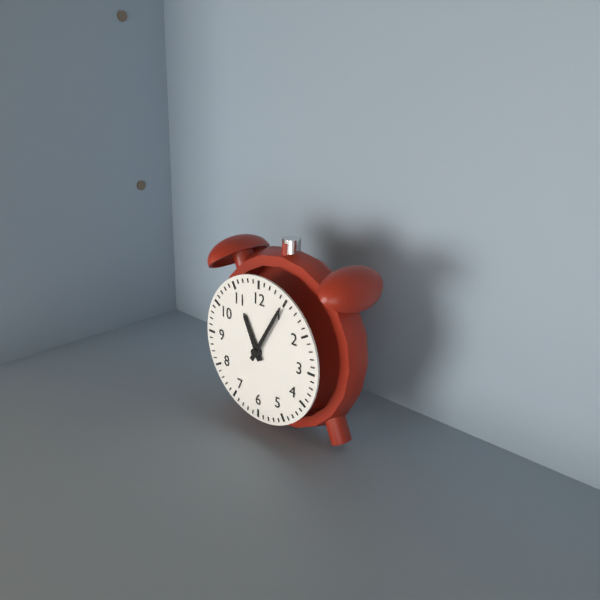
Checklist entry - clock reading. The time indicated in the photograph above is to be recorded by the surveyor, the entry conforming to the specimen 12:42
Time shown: 11:05
